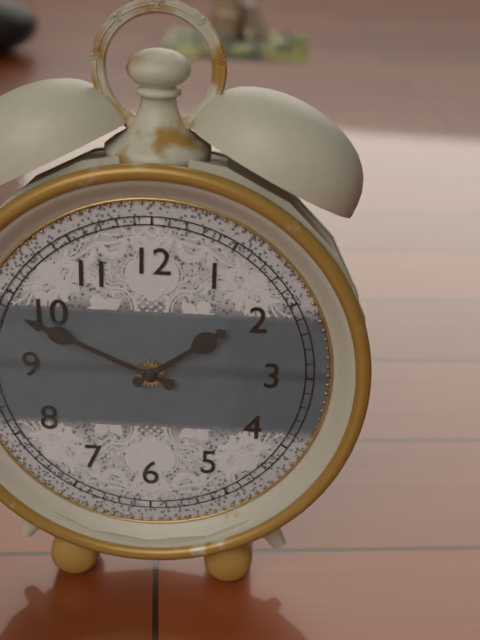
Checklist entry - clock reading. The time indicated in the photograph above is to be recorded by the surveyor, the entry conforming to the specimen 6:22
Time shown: 1:49
